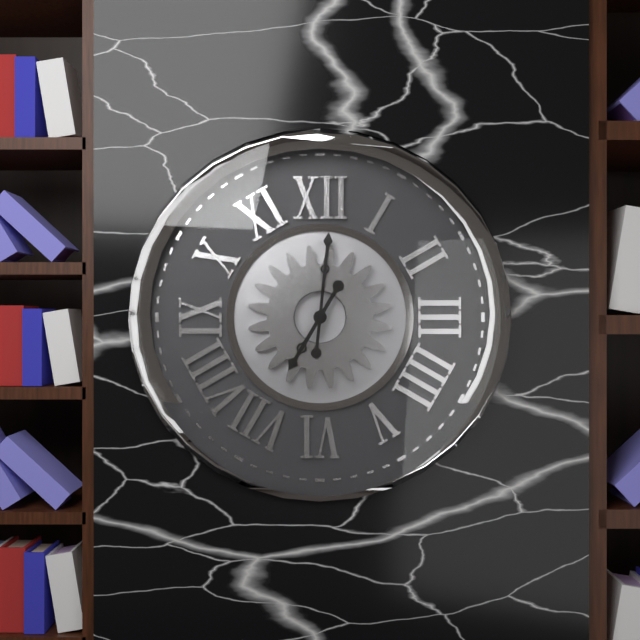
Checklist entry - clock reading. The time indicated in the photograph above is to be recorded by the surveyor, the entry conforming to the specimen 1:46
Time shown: 7:01
